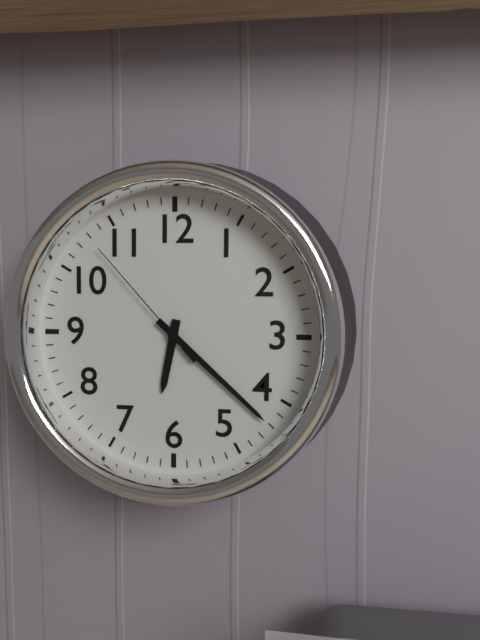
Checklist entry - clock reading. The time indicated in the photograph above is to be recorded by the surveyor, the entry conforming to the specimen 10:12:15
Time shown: 6:22:53
